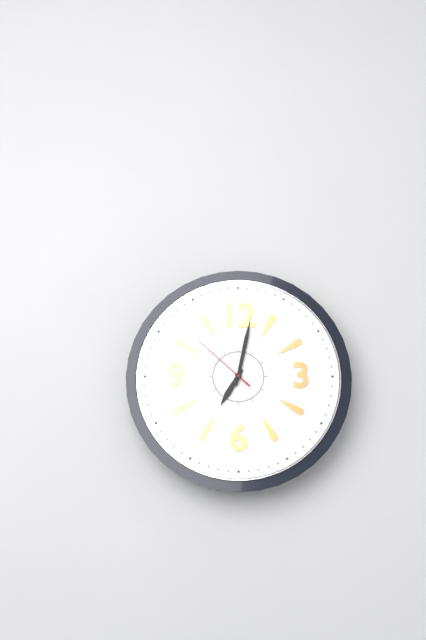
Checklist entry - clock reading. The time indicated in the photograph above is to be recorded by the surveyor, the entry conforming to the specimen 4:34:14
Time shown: 7:02:52
